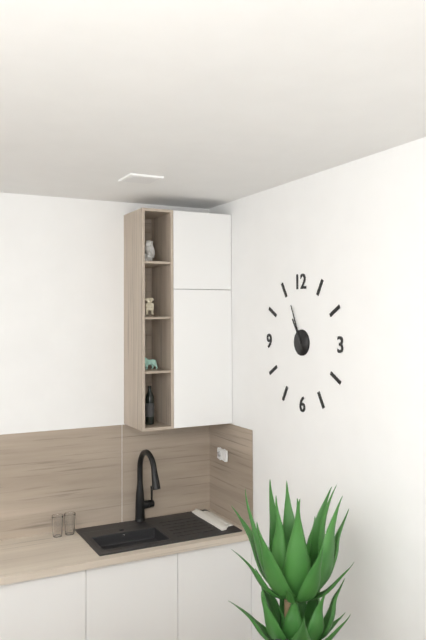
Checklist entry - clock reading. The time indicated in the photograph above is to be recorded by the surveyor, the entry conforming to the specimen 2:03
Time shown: 10:56
